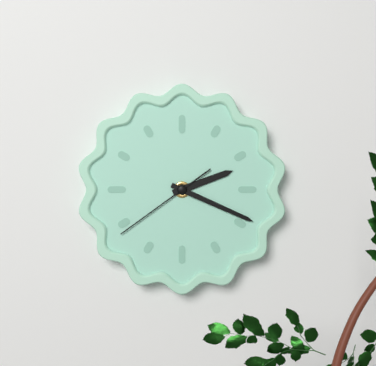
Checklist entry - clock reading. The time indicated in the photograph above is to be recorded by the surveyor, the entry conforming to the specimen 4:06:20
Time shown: 2:19:39
